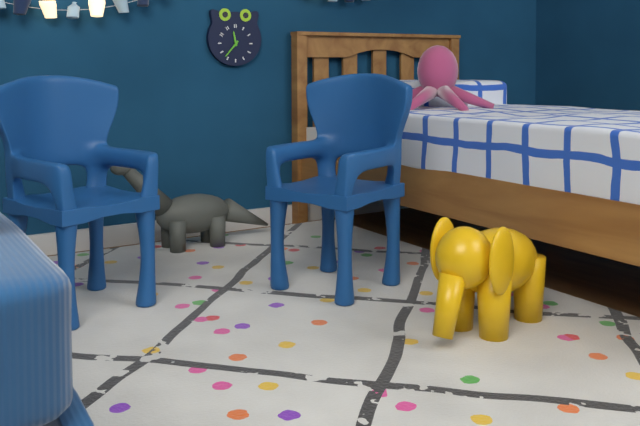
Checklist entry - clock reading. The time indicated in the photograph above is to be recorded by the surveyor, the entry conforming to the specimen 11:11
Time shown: 11:37
